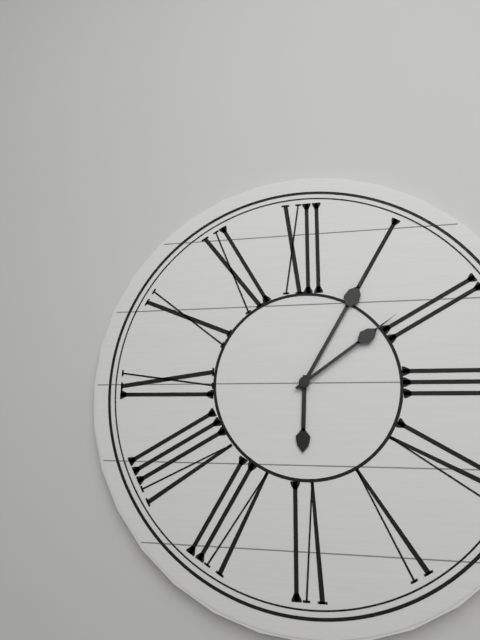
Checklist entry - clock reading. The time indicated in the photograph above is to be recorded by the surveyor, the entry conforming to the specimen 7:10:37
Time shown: 6:05:09
